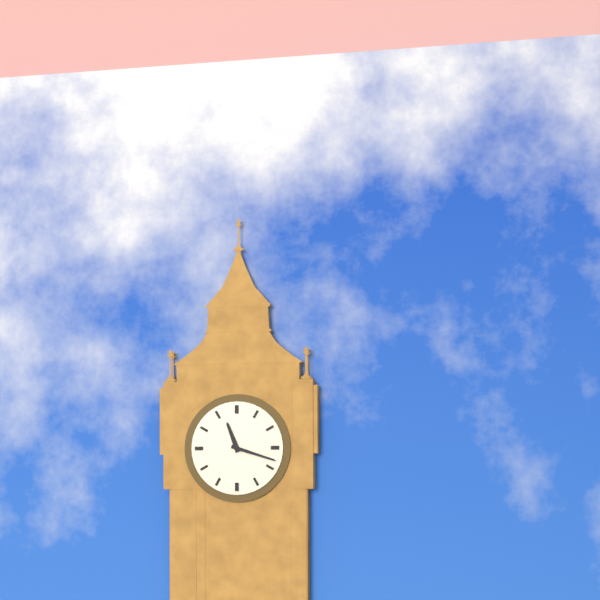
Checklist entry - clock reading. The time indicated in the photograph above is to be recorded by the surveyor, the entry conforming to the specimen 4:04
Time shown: 11:18
